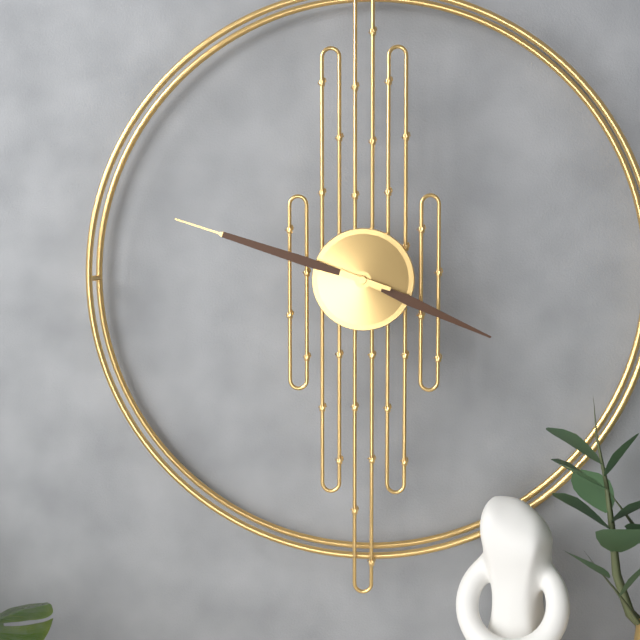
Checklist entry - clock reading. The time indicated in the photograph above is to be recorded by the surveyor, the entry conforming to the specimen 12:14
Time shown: 3:48
